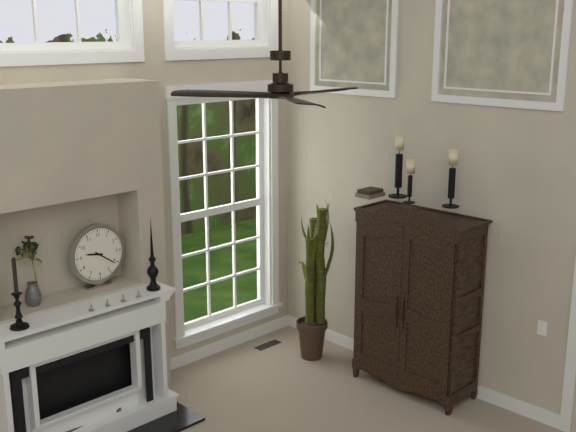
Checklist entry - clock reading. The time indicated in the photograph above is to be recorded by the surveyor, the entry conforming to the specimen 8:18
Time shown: 9:21
